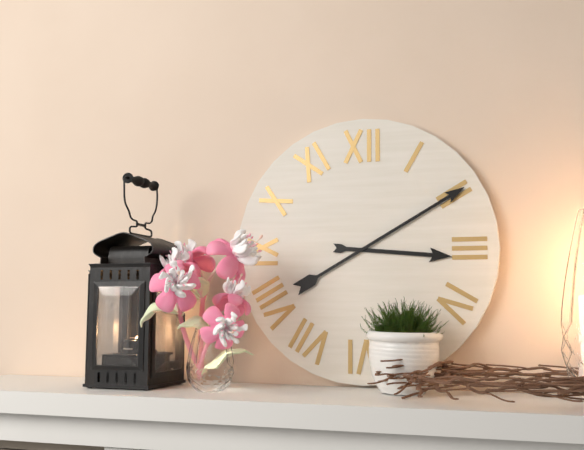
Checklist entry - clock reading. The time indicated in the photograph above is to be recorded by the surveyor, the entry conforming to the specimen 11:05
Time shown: 3:10
